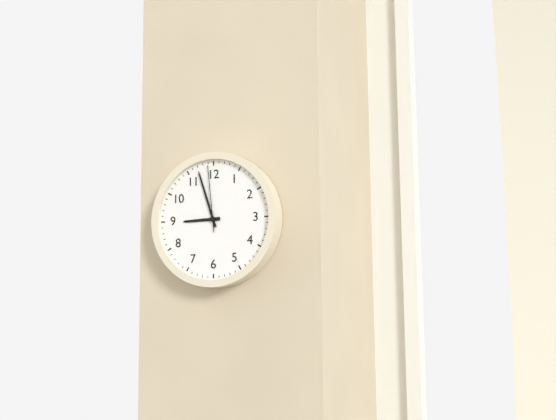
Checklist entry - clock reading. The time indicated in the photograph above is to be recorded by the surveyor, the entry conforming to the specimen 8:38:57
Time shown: 8:57:59
